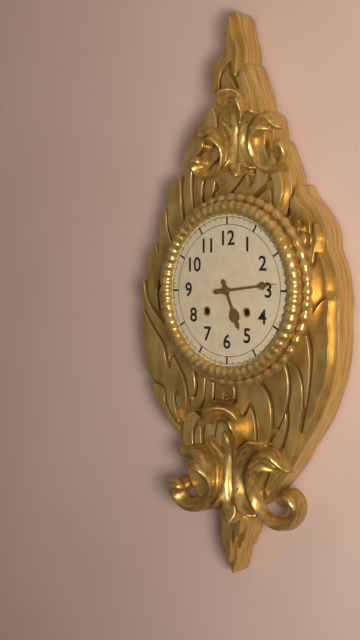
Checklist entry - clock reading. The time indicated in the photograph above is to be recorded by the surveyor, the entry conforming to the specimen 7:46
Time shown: 5:14
